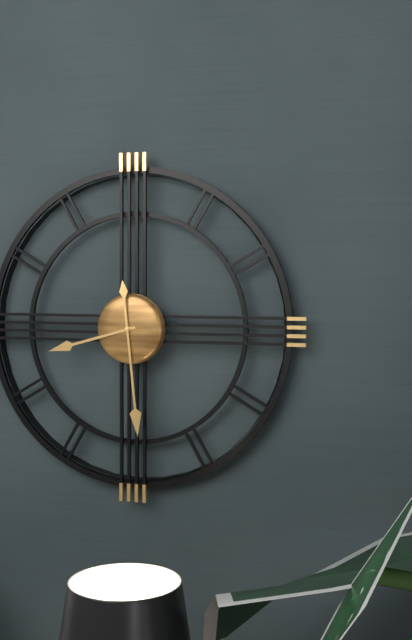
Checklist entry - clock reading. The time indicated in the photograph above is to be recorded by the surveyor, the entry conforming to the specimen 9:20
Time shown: 8:29
